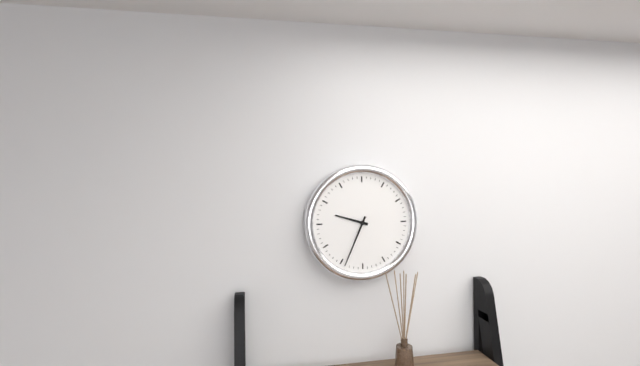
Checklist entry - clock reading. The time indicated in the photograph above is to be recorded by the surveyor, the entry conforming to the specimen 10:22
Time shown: 9:34
